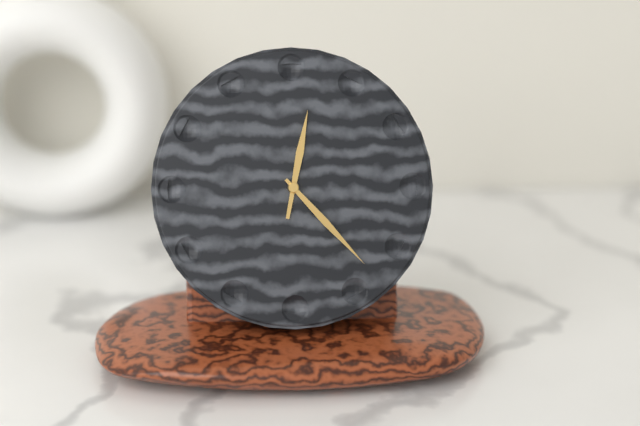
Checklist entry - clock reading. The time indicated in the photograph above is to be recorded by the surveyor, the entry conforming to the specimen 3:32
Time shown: 12:23
